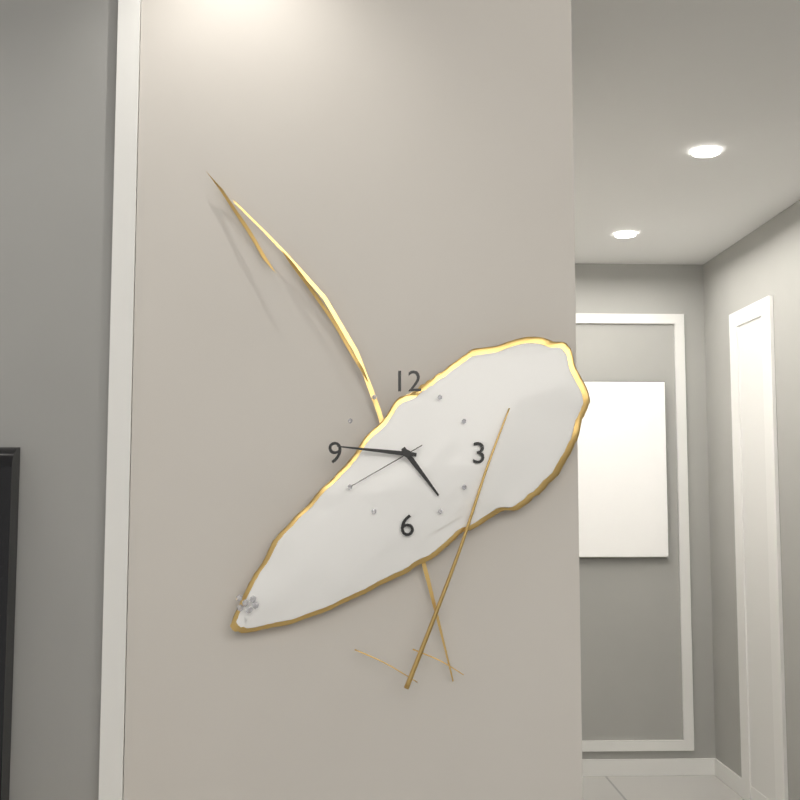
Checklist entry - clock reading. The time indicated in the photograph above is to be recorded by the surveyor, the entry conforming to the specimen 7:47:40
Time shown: 4:46:40
